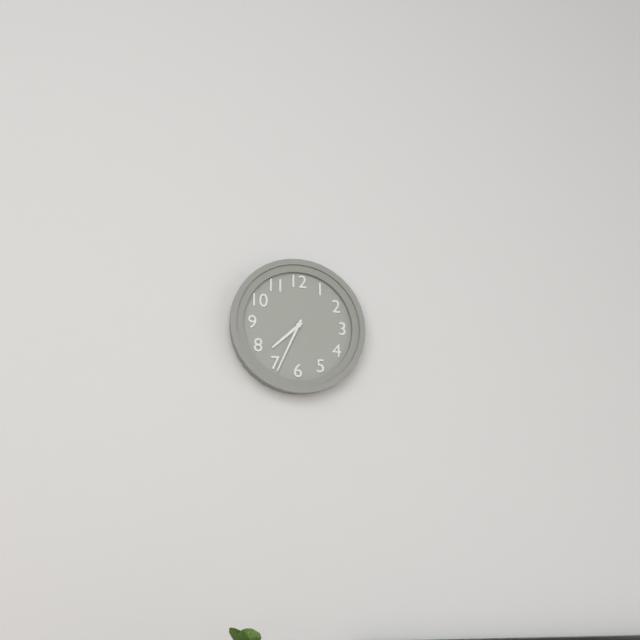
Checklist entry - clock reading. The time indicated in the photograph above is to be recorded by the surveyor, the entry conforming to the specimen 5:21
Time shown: 7:34
